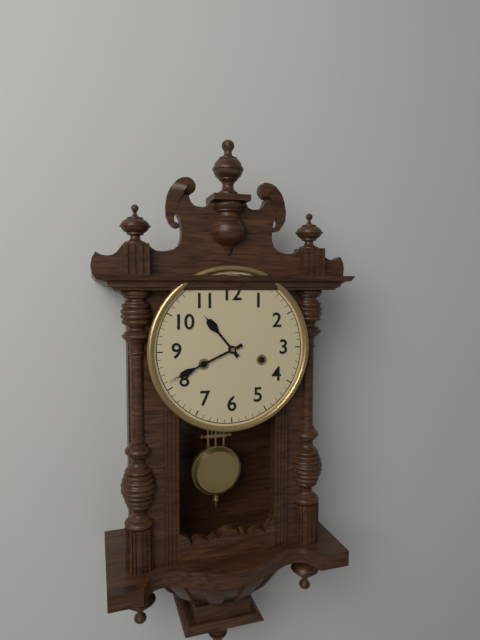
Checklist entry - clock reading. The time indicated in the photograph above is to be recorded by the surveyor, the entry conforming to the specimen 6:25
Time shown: 10:41
